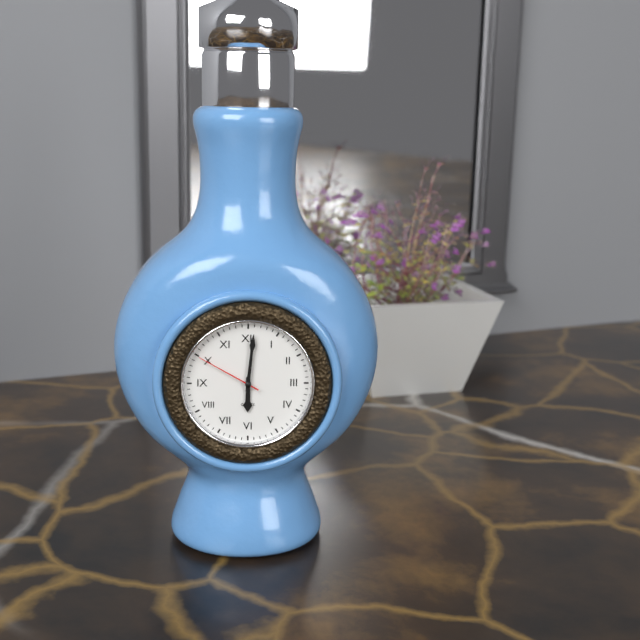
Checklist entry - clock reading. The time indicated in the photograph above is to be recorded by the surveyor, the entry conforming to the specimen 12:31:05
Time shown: 6:01:50
